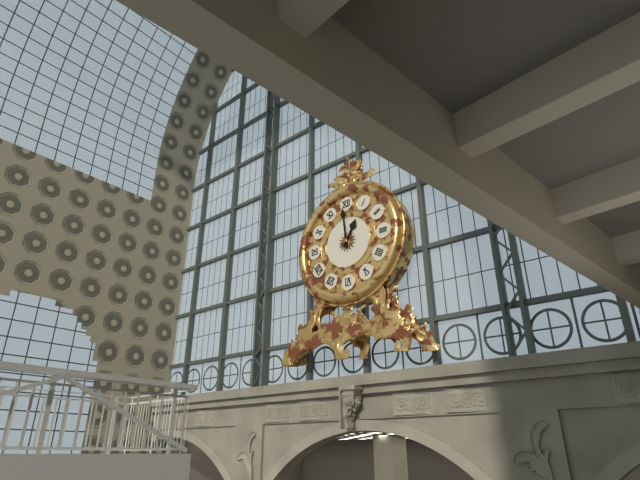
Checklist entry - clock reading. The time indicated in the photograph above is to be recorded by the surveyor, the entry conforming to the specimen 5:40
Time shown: 12:59
